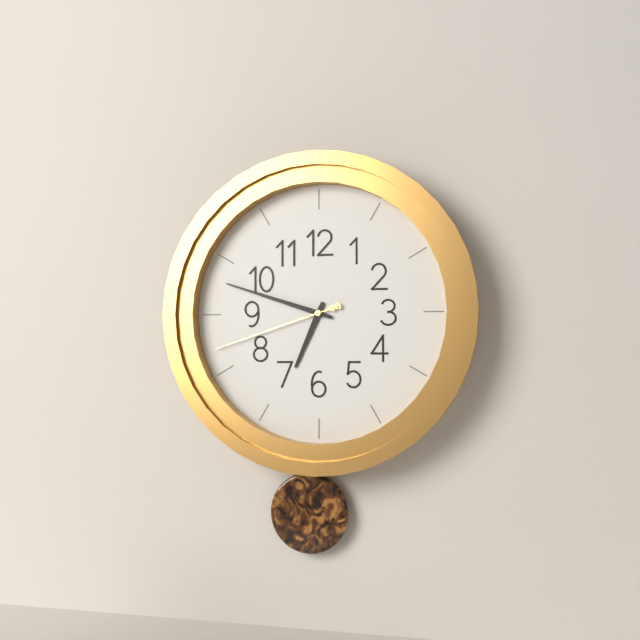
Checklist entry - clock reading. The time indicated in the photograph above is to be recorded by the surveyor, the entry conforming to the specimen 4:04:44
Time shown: 6:48:42
